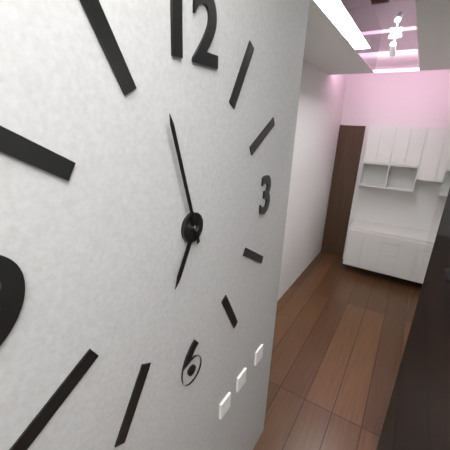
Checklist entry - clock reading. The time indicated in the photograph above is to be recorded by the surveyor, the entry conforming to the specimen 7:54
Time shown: 6:57
